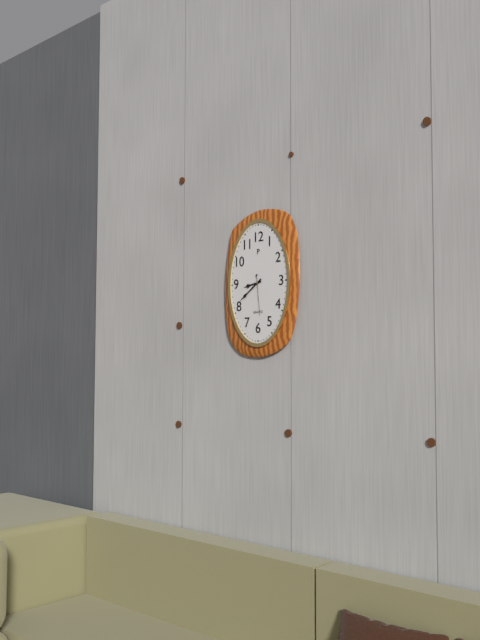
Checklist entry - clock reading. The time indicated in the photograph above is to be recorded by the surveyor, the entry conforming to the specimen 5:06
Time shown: 8:39
